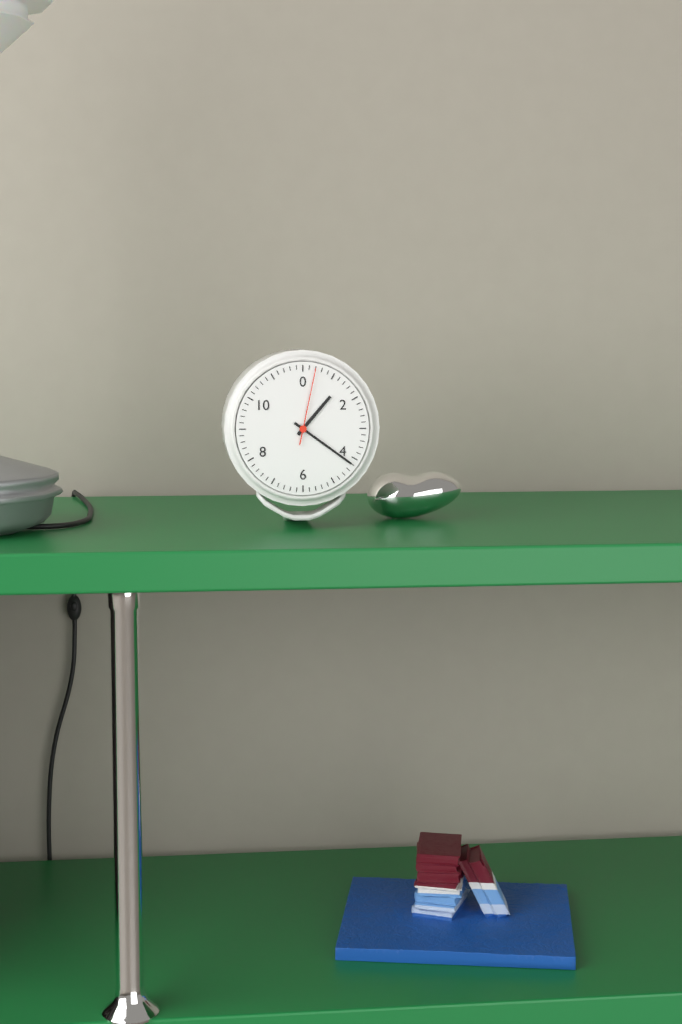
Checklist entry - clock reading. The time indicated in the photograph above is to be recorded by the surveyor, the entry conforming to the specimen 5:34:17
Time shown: 1:21:02
